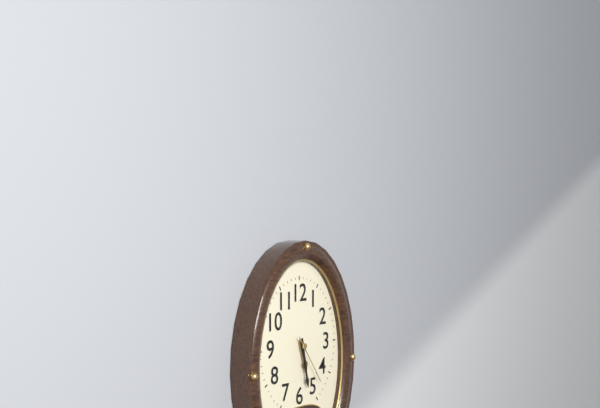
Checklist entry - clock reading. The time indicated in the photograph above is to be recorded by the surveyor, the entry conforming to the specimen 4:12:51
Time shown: 5:28:24
